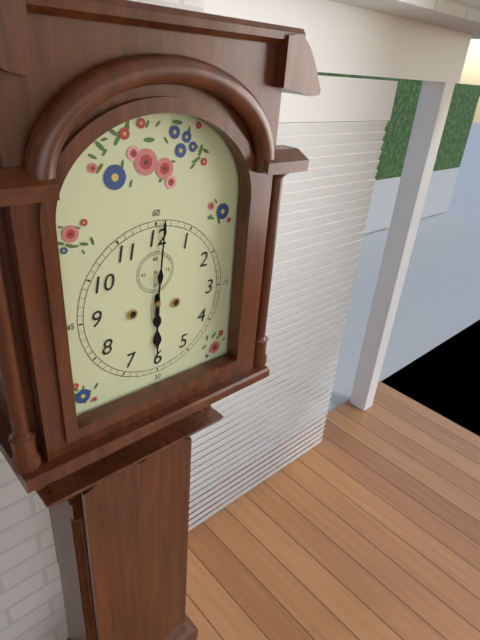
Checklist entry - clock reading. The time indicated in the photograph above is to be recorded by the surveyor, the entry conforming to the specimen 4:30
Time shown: 6:01
